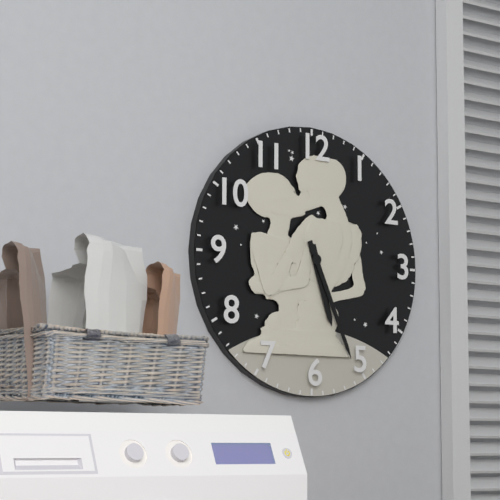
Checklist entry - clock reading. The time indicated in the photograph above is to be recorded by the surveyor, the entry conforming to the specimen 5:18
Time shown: 5:26
